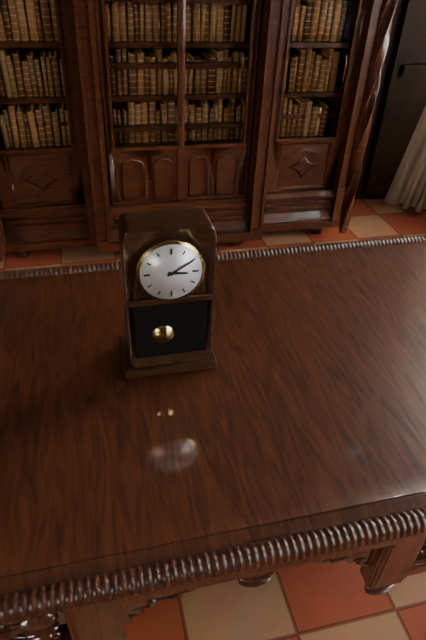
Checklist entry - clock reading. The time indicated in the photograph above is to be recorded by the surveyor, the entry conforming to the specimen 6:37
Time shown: 3:10
